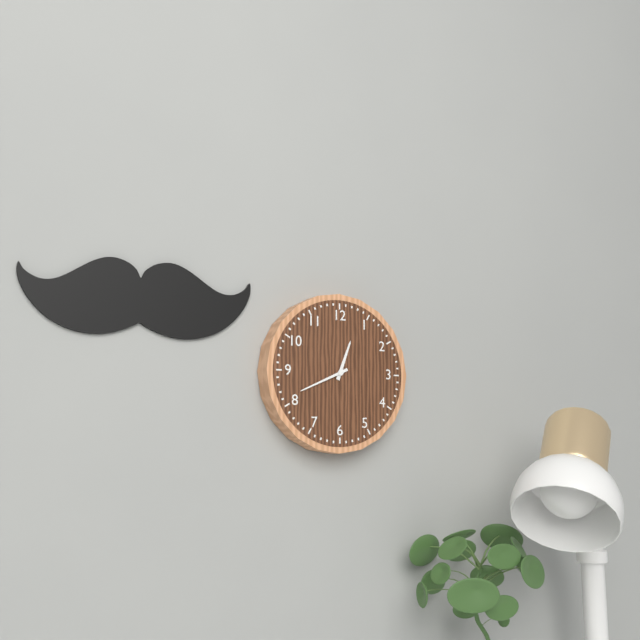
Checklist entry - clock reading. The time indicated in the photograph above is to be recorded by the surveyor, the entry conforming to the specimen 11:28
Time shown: 12:41
